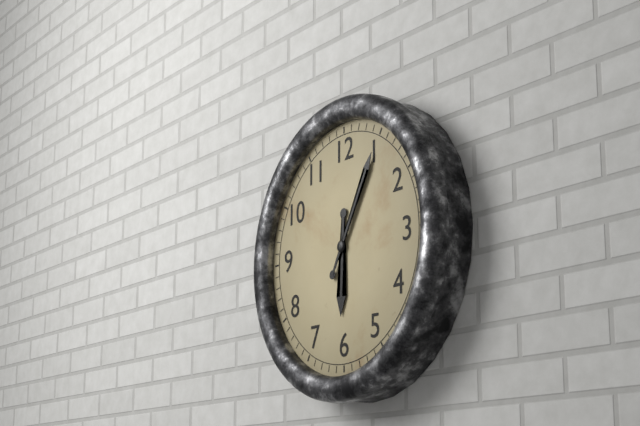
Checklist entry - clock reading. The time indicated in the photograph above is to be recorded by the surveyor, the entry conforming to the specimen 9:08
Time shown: 6:05
